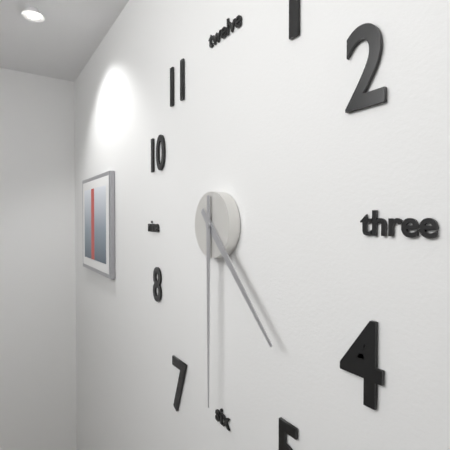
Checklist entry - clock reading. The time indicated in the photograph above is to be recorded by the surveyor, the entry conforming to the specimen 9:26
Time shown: 4:30
